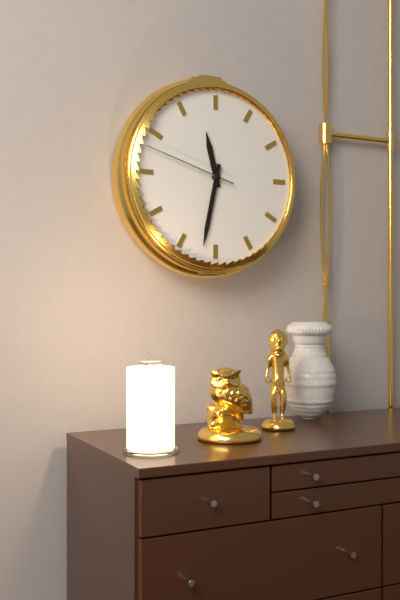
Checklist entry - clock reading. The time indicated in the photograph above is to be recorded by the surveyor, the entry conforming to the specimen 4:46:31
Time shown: 11:32:48
